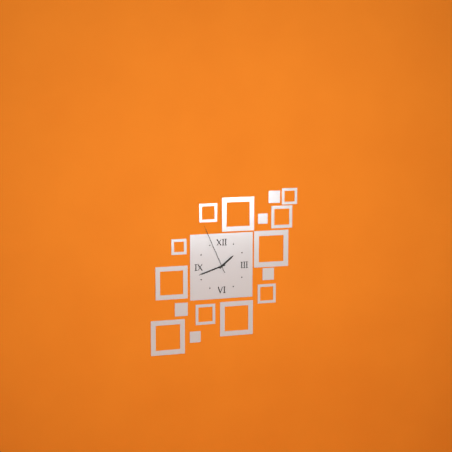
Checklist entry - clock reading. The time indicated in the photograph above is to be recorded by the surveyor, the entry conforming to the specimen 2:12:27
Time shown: 1:42:56
